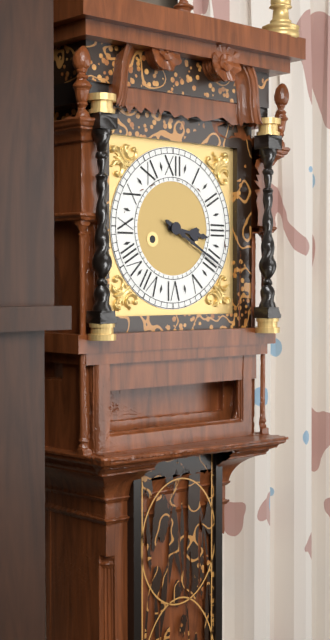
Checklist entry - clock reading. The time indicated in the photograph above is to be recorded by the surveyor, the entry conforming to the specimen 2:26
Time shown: 3:20
